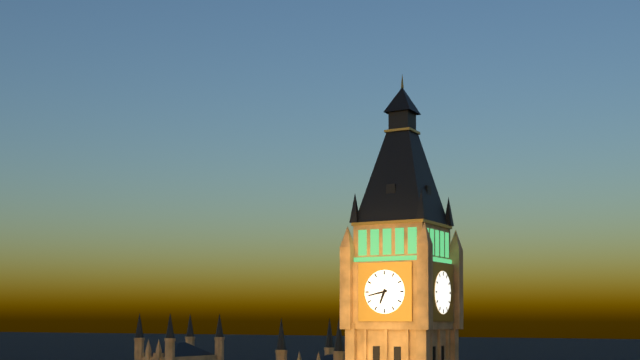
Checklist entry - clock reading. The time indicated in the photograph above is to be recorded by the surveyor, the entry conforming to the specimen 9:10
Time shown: 6:43
